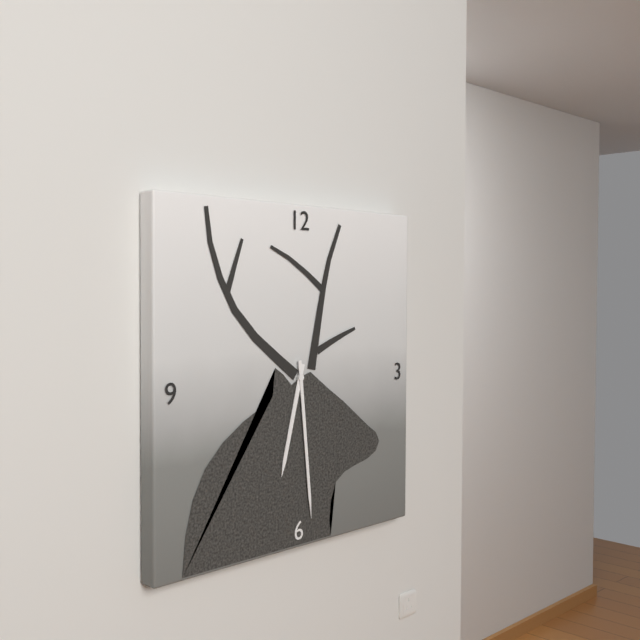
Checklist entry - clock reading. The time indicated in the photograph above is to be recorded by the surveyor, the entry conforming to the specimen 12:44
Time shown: 6:29
